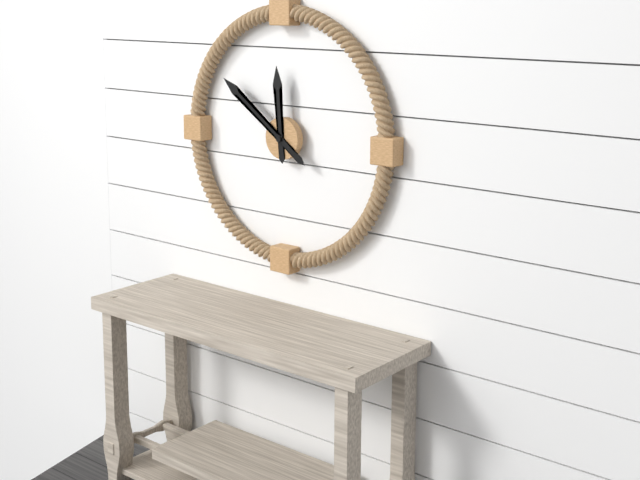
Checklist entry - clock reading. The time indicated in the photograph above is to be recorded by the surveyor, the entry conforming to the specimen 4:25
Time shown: 11:51
